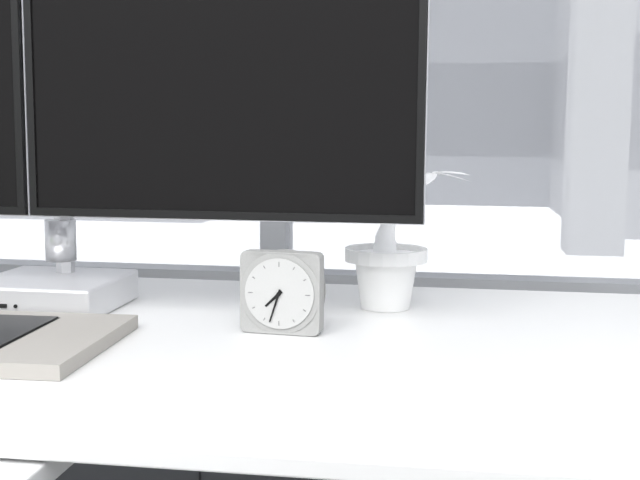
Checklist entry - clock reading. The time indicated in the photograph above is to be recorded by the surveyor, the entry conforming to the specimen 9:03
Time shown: 7:33
